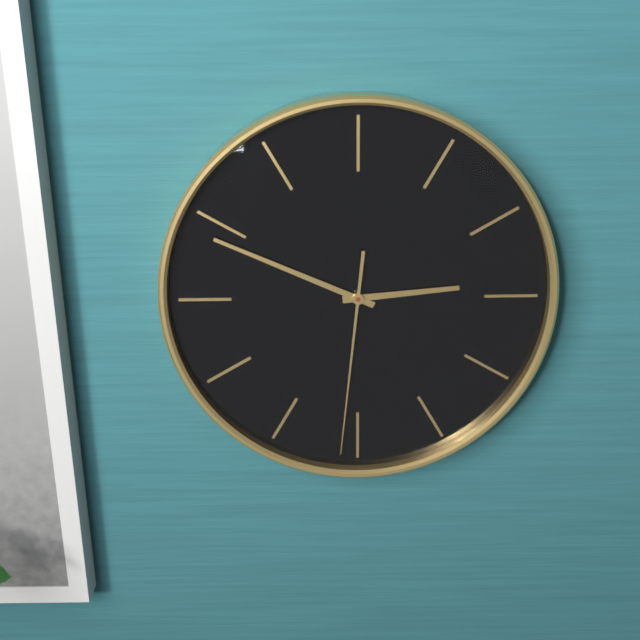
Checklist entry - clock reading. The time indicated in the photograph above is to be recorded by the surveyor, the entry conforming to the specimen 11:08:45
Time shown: 2:49:31
